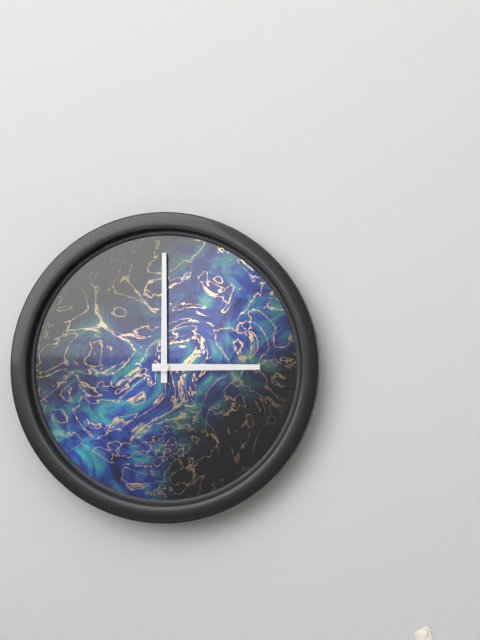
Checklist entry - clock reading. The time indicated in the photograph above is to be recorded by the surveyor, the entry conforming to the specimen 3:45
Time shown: 3:00
